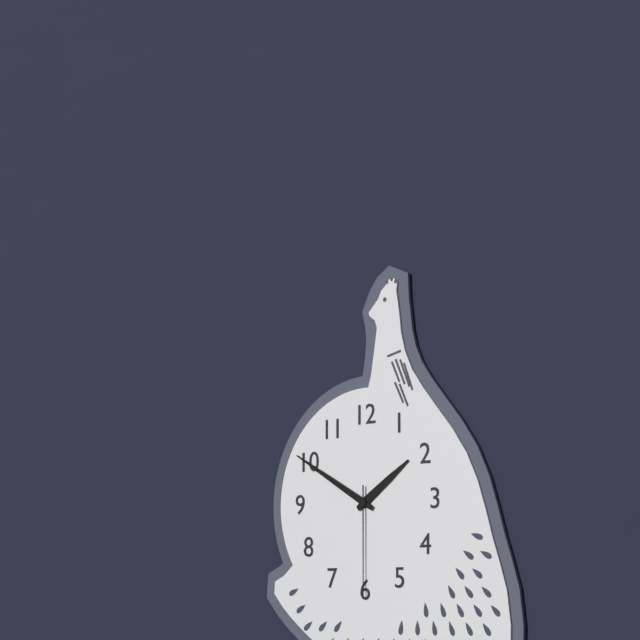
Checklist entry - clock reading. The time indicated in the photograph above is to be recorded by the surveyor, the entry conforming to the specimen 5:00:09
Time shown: 1:50:30
